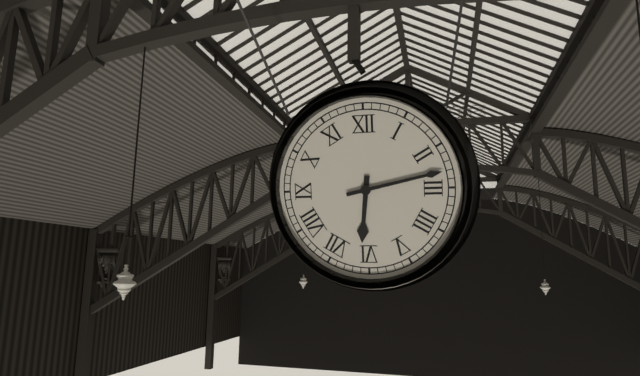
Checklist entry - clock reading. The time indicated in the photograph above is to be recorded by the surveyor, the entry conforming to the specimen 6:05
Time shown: 6:13
